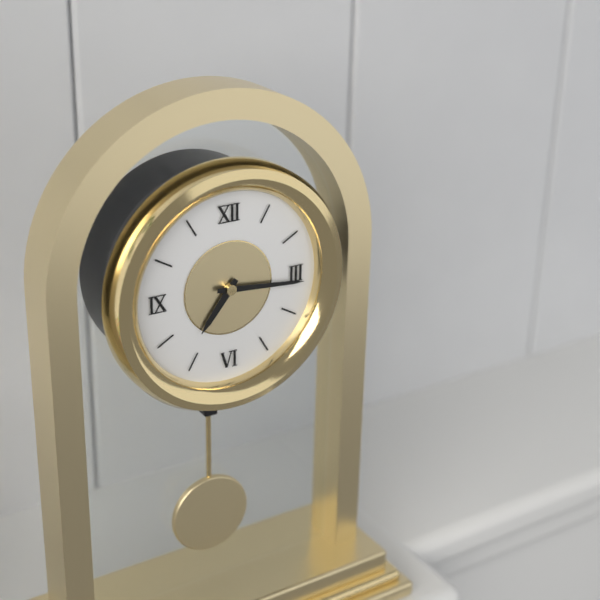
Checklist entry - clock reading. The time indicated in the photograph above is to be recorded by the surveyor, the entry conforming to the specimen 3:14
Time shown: 7:16
